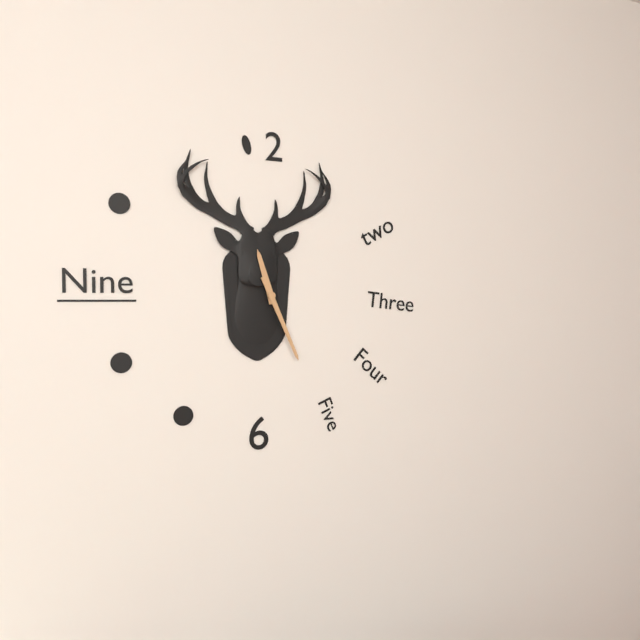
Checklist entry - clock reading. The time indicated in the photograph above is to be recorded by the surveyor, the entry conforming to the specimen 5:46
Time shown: 11:26
